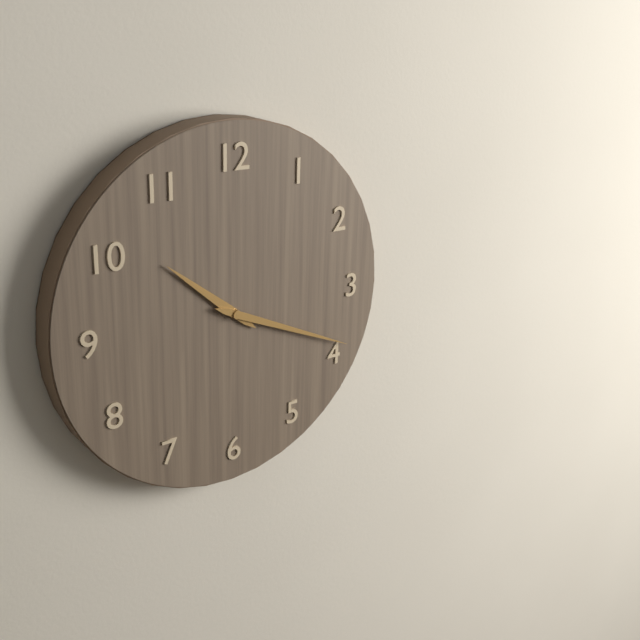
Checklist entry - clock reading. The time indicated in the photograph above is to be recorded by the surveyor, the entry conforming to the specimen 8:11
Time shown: 10:19
